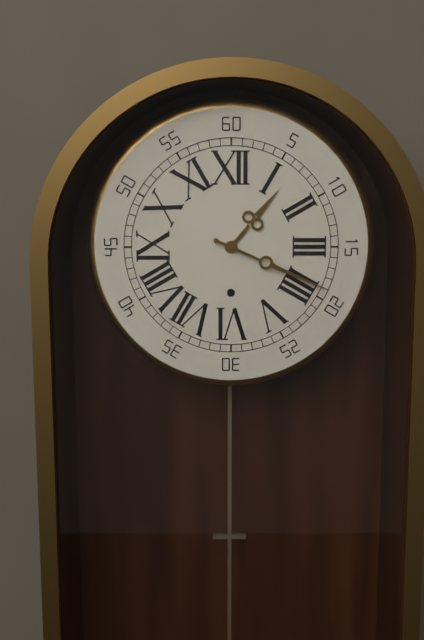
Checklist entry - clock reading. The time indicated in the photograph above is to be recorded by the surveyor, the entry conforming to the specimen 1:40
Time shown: 1:19
